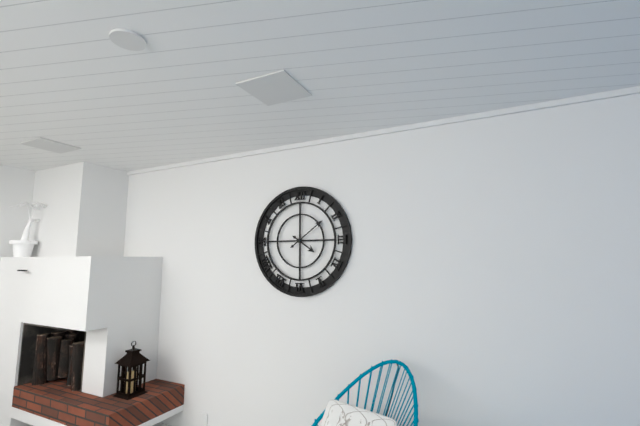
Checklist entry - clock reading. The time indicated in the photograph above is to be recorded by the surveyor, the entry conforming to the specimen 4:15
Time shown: 4:09
